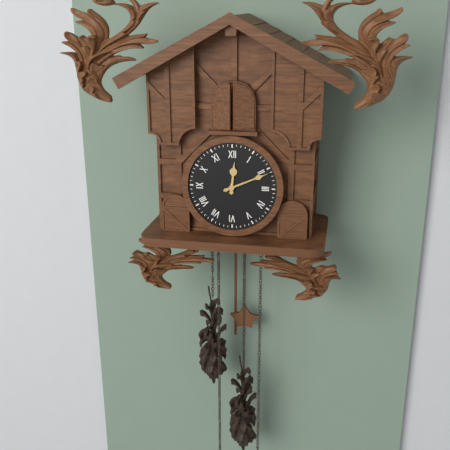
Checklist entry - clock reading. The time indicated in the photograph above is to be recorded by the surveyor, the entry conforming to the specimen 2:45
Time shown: 12:11
